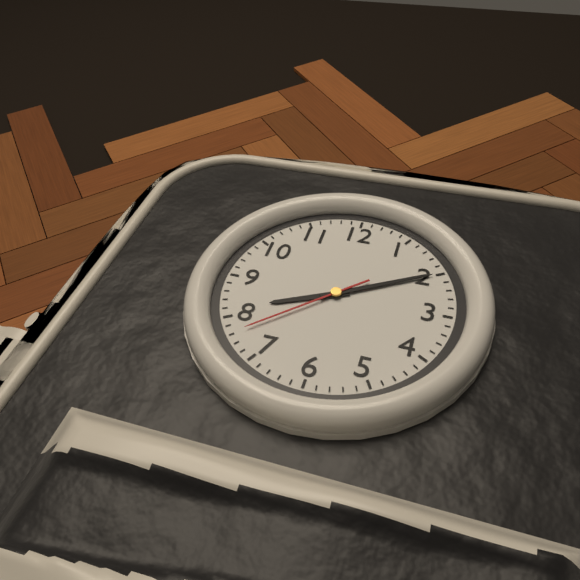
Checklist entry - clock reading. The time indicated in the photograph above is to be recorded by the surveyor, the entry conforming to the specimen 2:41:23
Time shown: 8:10:38
